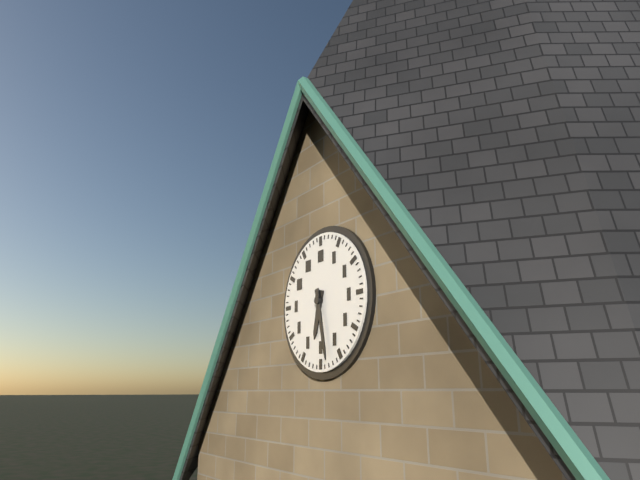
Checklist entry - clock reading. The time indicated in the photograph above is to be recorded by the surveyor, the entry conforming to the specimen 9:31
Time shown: 6:28
